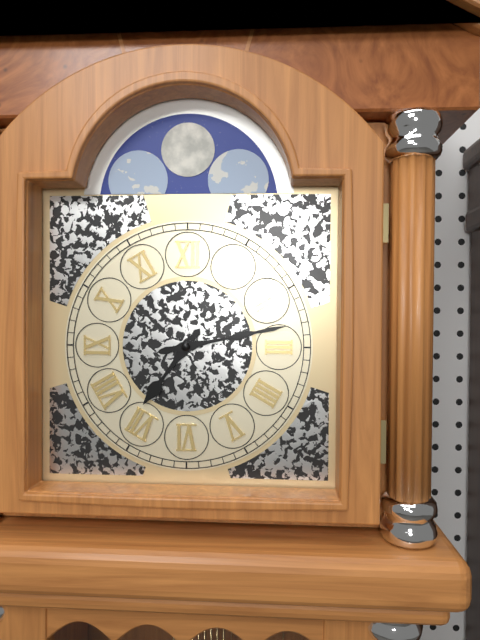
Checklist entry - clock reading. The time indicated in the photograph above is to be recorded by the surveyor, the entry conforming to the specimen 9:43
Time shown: 7:13
